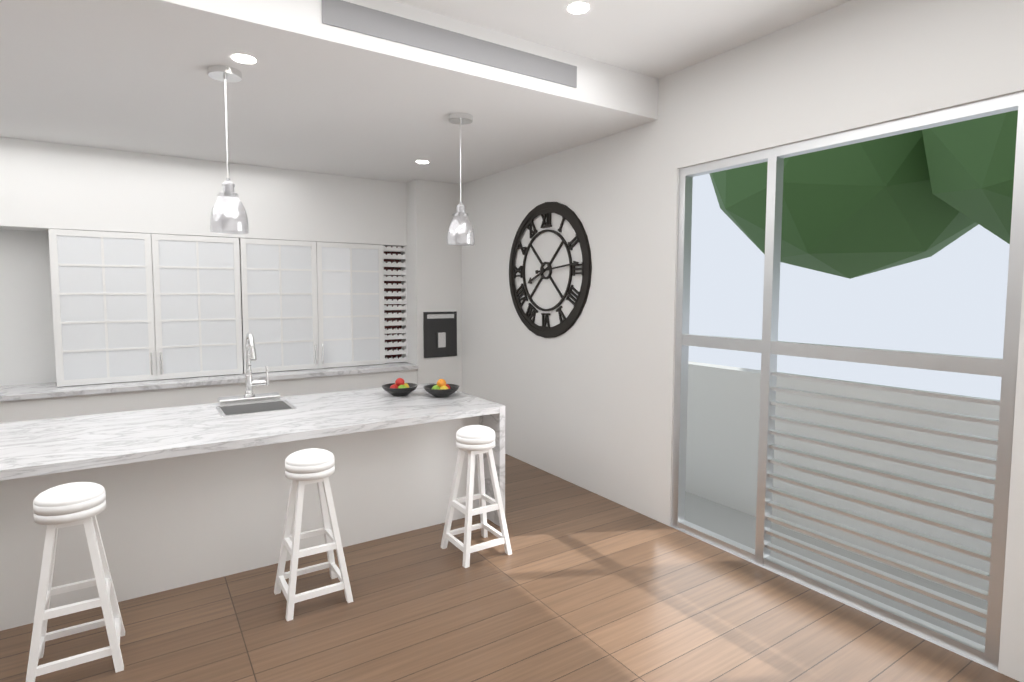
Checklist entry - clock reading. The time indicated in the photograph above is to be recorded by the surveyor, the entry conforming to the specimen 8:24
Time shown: 8:14
